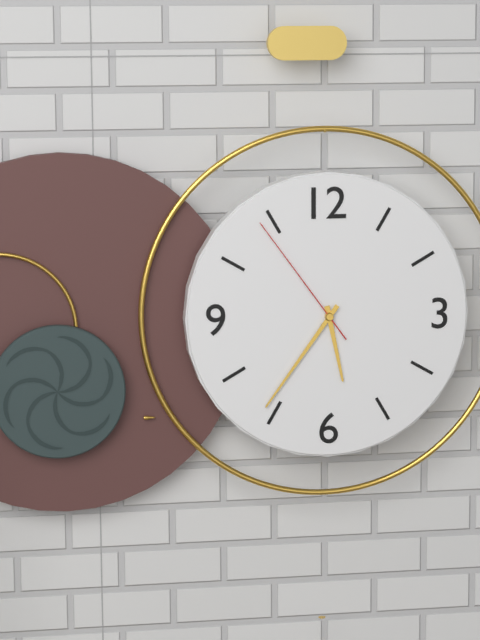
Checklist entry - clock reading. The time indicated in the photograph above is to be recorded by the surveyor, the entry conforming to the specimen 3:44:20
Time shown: 5:36:54
